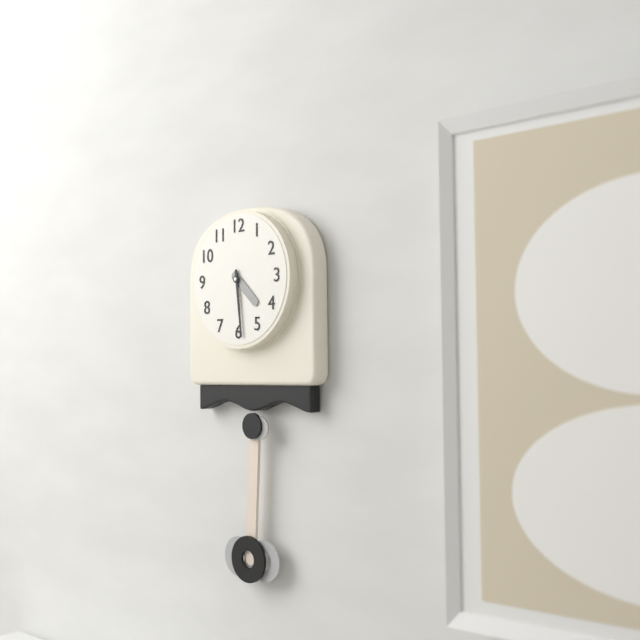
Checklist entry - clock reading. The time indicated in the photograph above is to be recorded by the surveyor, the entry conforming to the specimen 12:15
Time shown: 4:29
